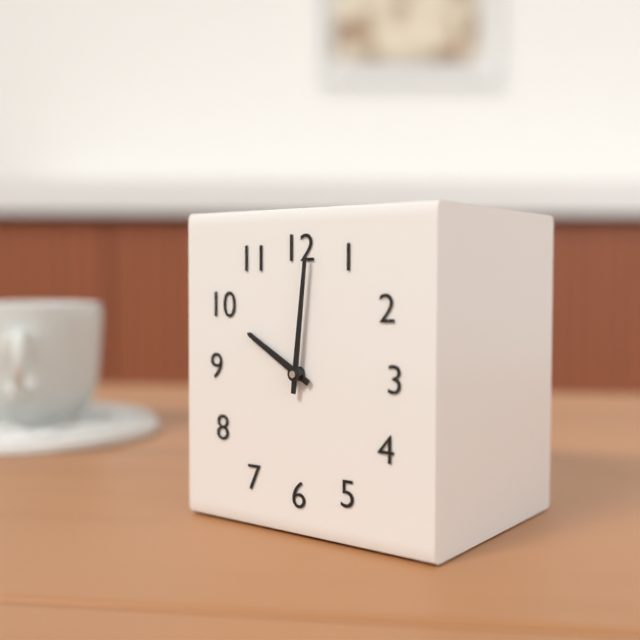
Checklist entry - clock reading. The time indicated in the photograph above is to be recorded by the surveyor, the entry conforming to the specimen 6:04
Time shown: 10:01
